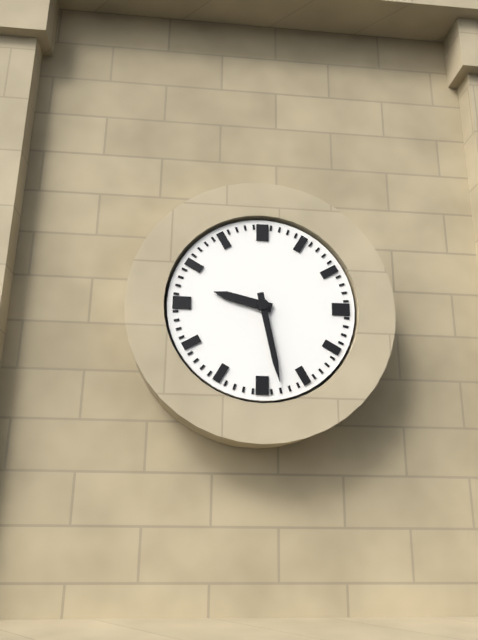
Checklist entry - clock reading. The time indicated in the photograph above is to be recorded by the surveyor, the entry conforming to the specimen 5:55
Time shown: 9:28
